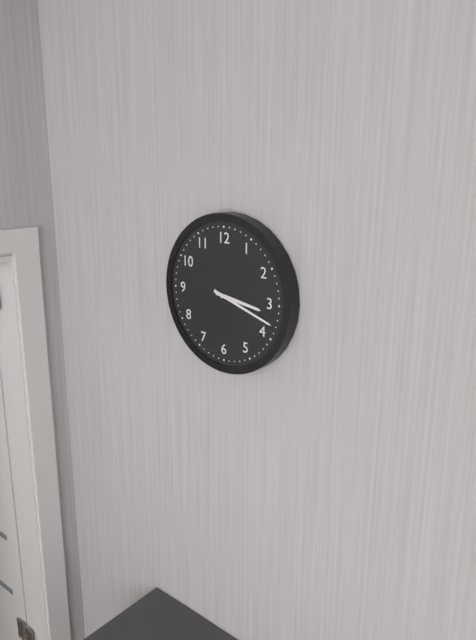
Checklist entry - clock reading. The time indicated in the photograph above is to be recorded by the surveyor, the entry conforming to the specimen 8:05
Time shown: 3:18
